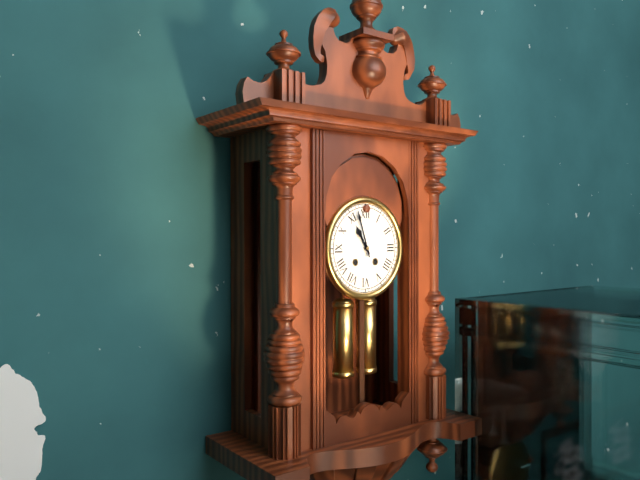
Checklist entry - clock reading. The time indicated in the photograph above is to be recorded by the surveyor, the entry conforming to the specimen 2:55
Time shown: 10:57
